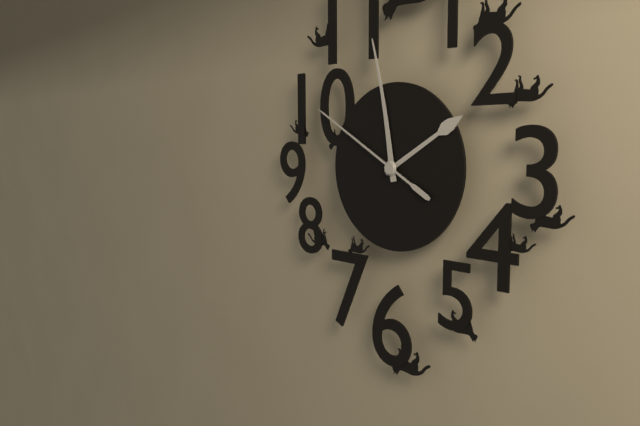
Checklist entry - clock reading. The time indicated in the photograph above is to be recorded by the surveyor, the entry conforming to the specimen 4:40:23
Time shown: 1:58:50
